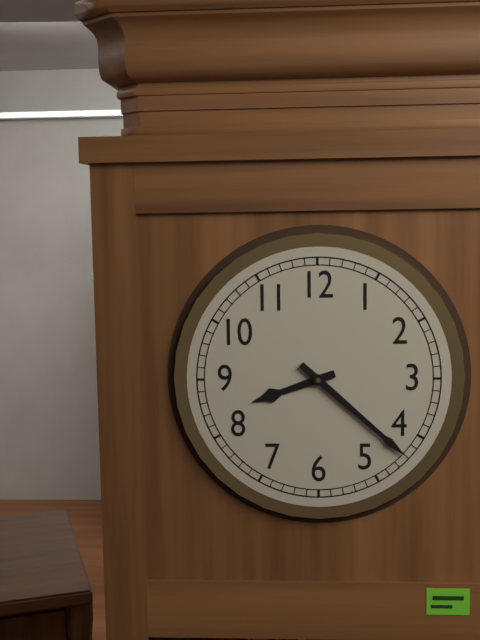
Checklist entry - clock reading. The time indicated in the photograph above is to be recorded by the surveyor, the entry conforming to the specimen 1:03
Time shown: 8:22
